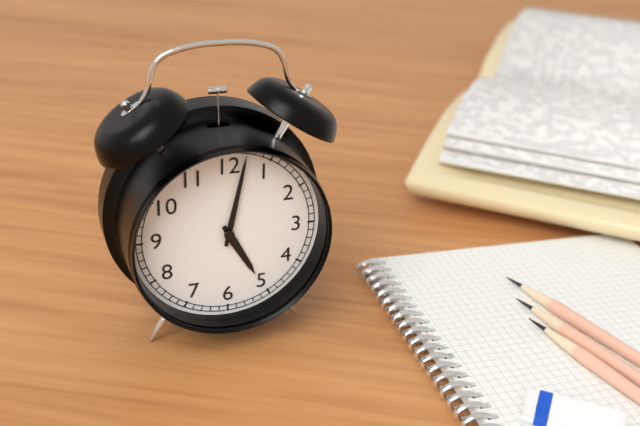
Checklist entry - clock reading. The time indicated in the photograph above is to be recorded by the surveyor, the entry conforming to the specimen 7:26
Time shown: 5:02
